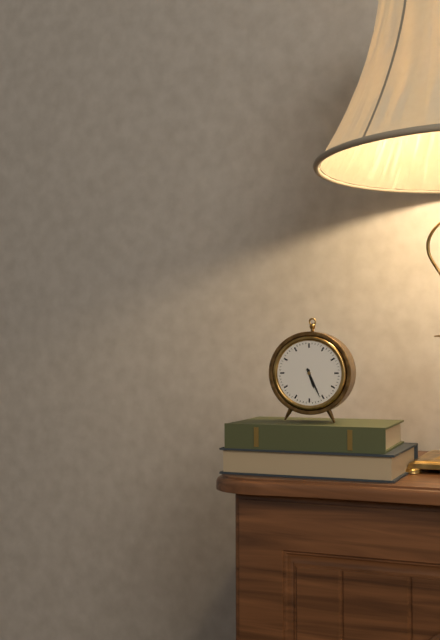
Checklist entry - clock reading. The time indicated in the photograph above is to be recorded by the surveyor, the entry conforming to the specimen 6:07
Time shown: 5:26
